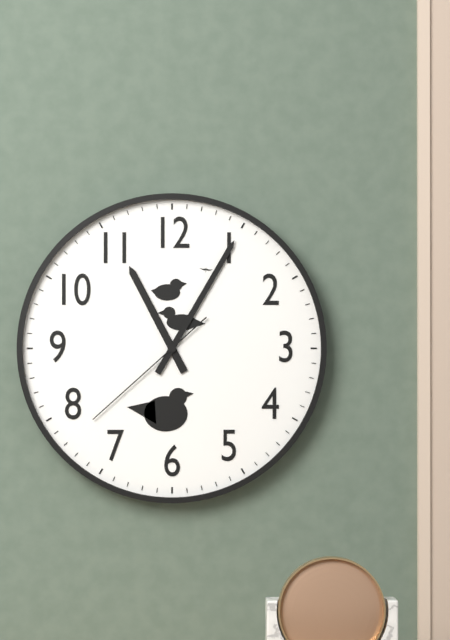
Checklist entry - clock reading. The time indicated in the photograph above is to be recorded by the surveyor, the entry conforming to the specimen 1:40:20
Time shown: 11:05:38
